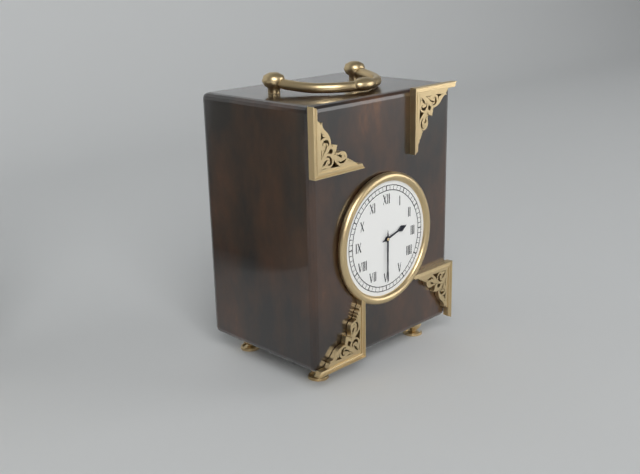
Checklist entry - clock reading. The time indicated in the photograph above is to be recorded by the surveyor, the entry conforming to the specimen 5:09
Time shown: 2:30
